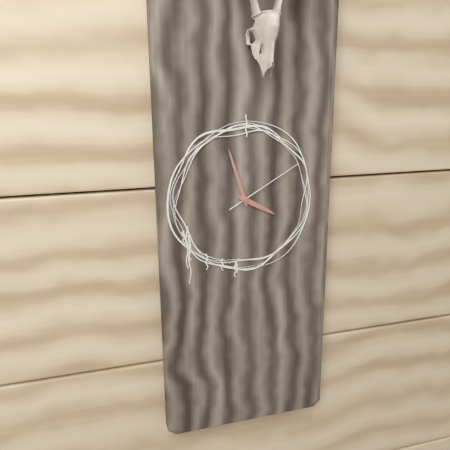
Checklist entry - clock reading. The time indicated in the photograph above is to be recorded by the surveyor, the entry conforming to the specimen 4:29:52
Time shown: 3:57:10
